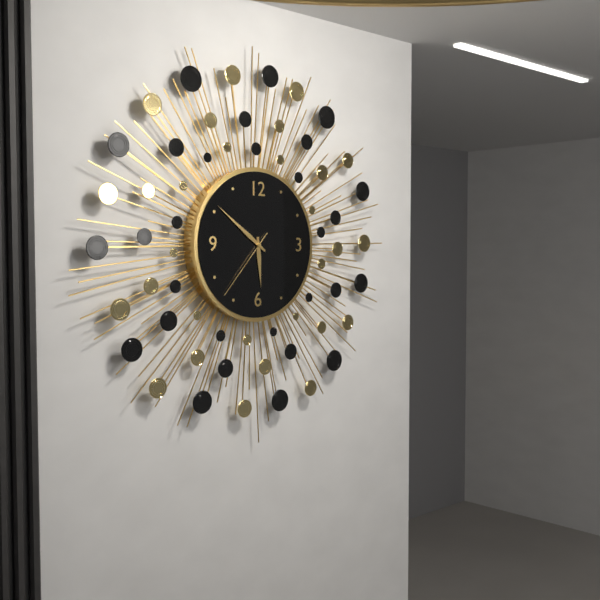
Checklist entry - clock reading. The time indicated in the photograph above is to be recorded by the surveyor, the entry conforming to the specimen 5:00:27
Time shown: 5:51:37
